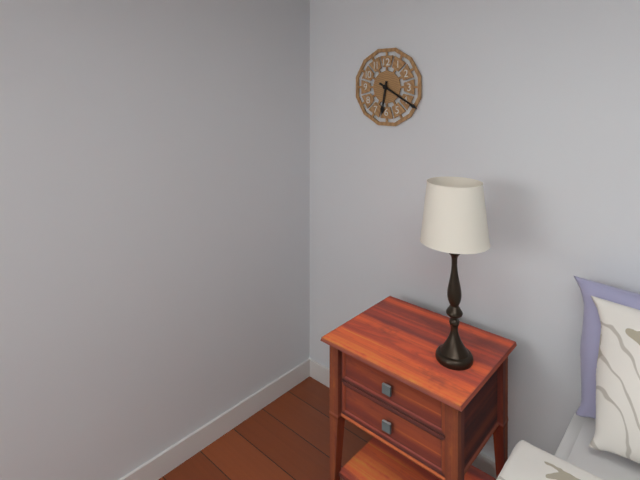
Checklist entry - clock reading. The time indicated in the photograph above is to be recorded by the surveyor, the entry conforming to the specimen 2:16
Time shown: 6:20
